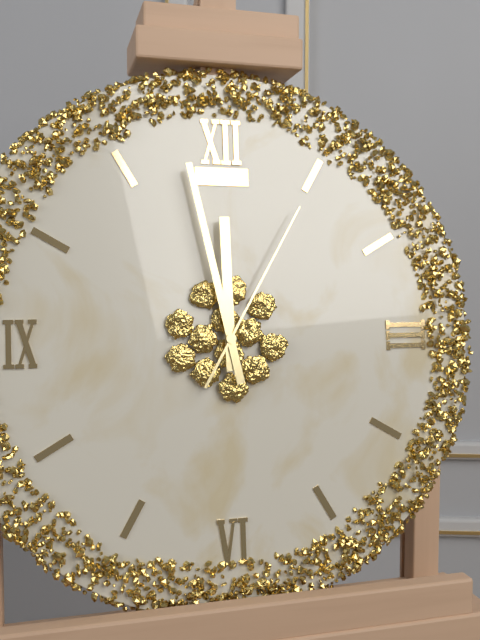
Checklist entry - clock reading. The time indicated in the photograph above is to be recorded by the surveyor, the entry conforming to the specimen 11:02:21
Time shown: 11:58:05
